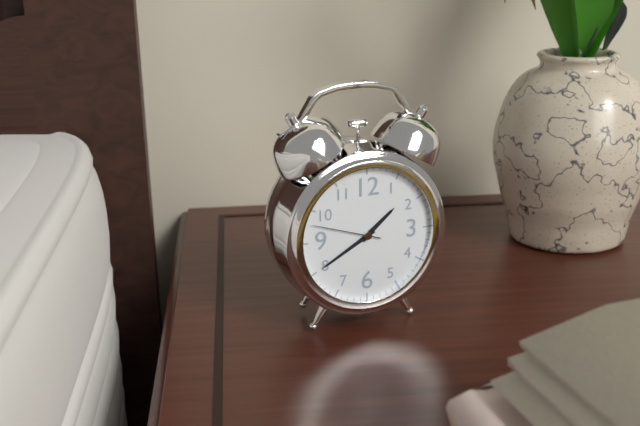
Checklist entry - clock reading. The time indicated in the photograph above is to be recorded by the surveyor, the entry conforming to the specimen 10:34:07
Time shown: 1:40:48
